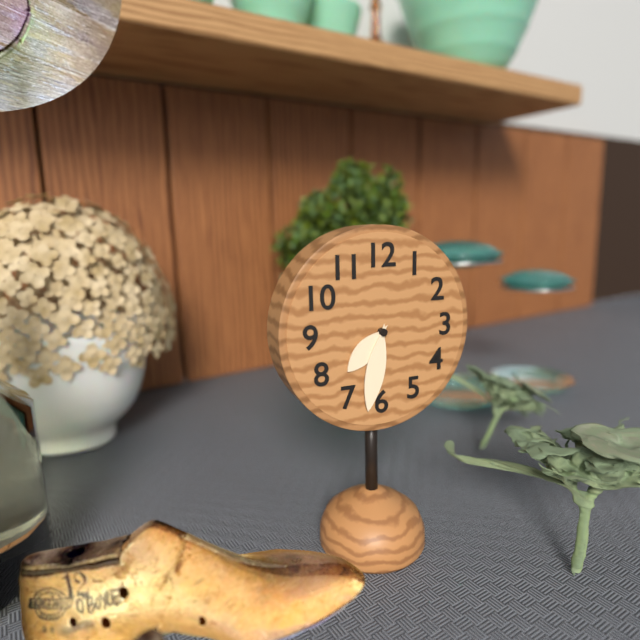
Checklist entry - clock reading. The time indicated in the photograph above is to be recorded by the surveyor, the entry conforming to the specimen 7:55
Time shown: 7:32
